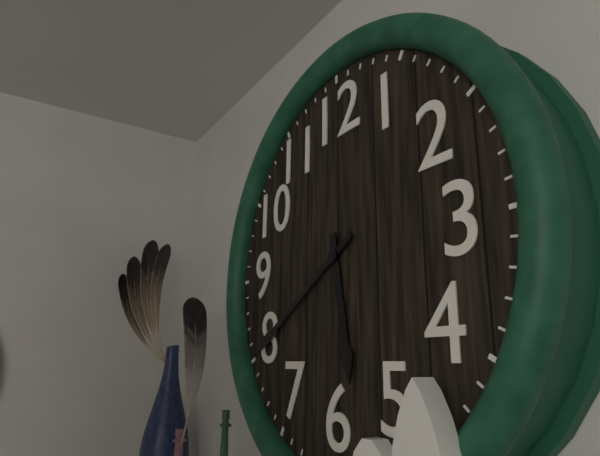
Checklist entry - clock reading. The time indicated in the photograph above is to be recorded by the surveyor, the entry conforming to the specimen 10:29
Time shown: 5:40
